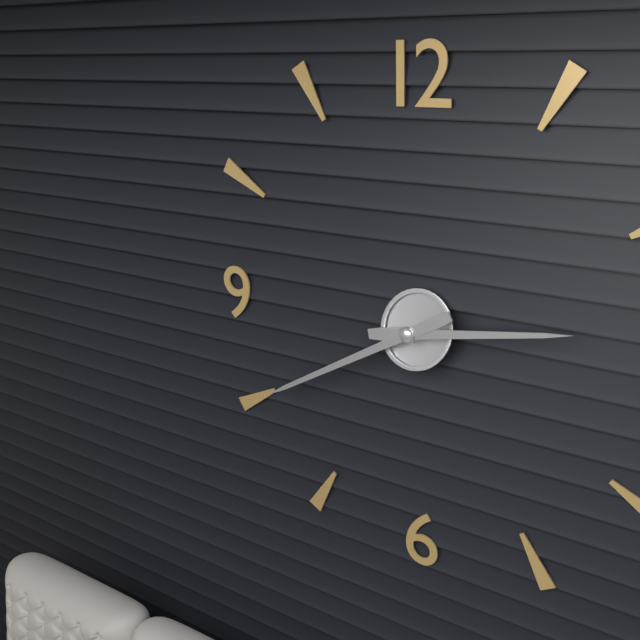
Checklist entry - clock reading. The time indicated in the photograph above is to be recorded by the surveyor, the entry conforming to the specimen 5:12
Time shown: 2:40
